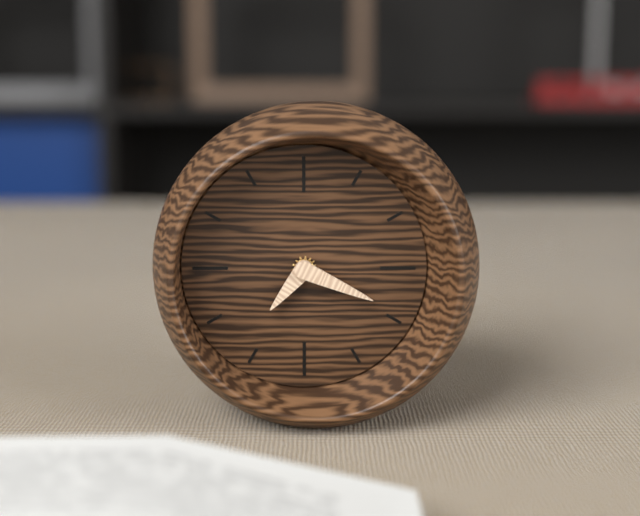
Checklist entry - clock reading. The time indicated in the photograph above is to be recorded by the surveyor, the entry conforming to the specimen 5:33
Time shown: 7:19
